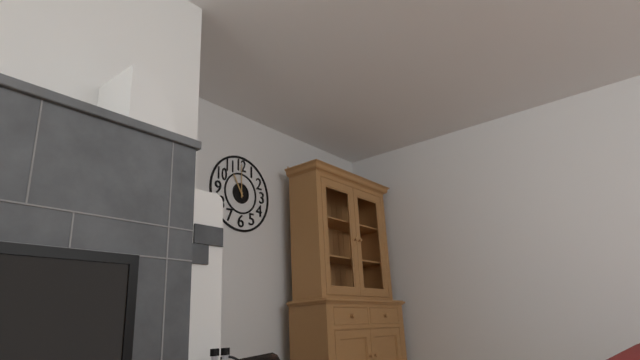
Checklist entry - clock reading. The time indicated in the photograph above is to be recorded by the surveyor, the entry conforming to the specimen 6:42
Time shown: 11:00
